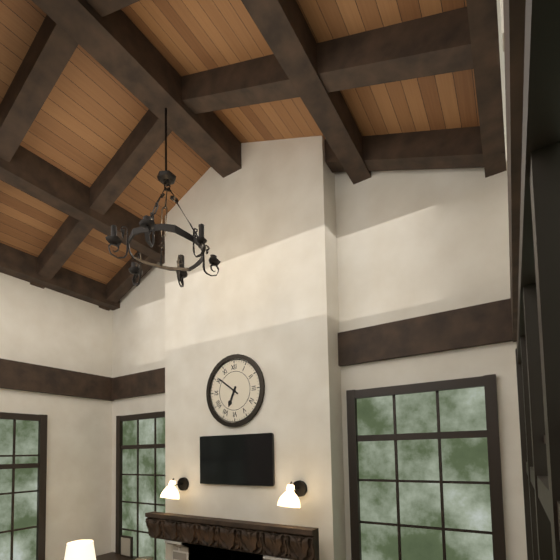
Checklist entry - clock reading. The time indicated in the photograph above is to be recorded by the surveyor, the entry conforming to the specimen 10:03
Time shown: 6:51
